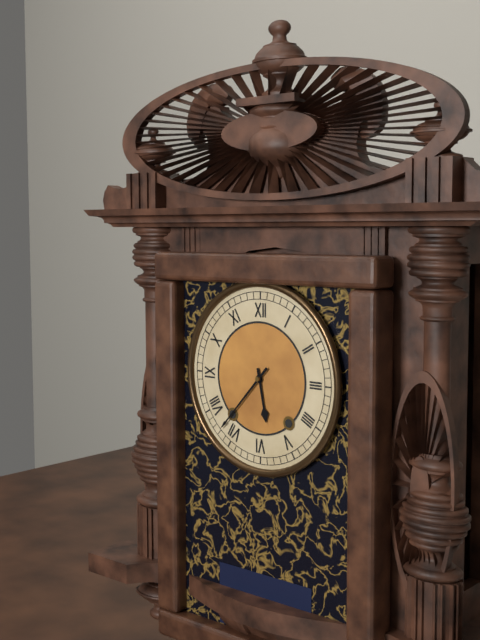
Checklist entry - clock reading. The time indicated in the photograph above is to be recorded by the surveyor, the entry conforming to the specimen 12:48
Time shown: 5:37
